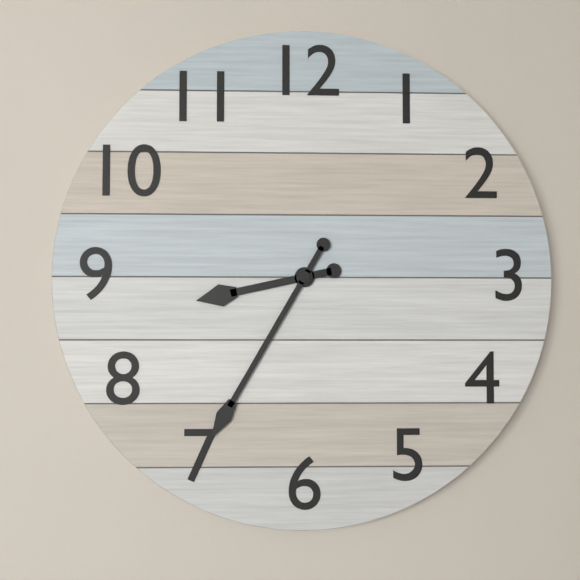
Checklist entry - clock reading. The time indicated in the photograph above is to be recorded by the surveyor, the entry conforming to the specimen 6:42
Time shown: 8:35
